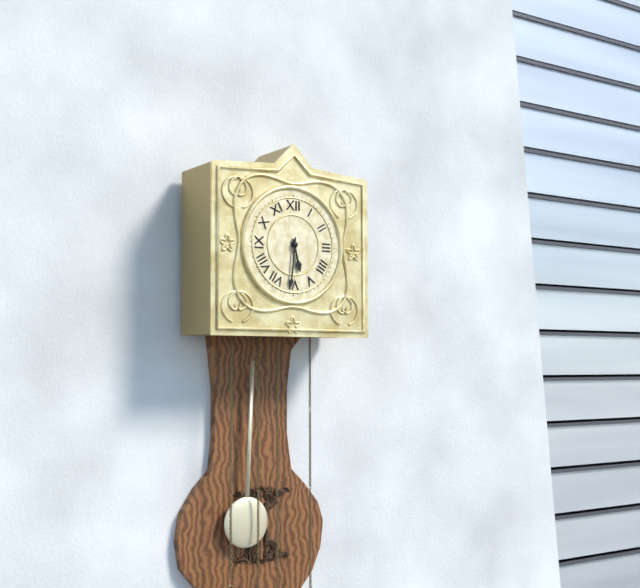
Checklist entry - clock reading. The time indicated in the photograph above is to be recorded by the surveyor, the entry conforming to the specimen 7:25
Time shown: 5:31
